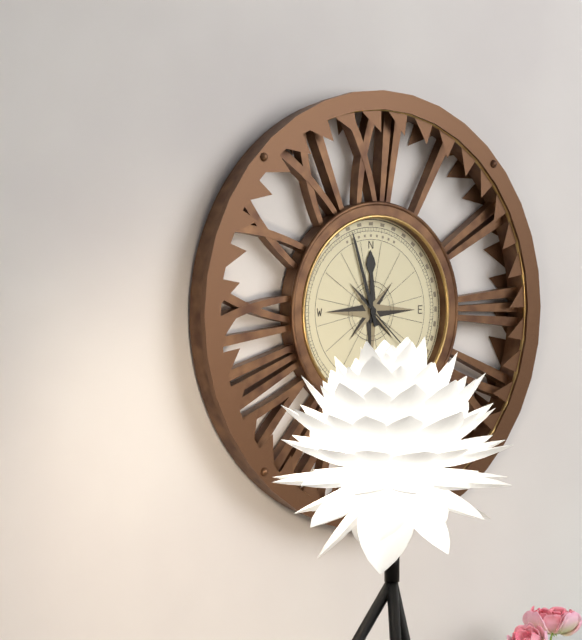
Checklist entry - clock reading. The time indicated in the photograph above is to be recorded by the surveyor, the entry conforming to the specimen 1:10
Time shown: 11:57
